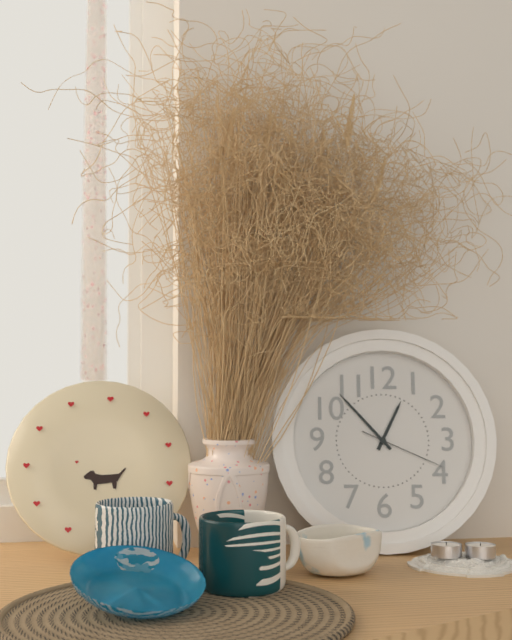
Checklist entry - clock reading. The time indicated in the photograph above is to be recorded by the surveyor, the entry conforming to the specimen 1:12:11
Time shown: 12:53:19
